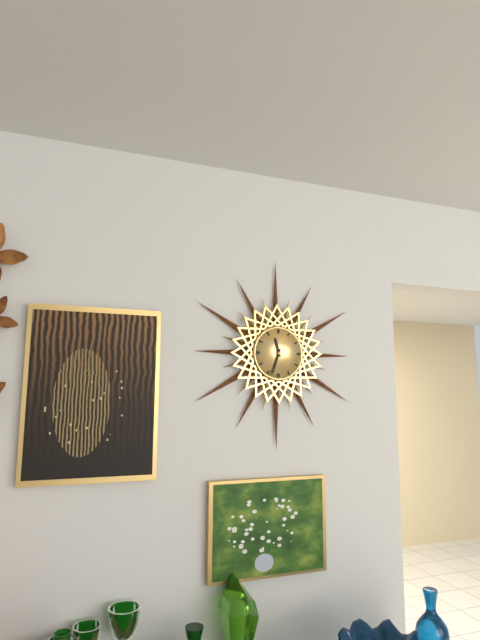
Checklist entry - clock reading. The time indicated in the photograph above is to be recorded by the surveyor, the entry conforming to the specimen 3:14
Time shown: 11:33
